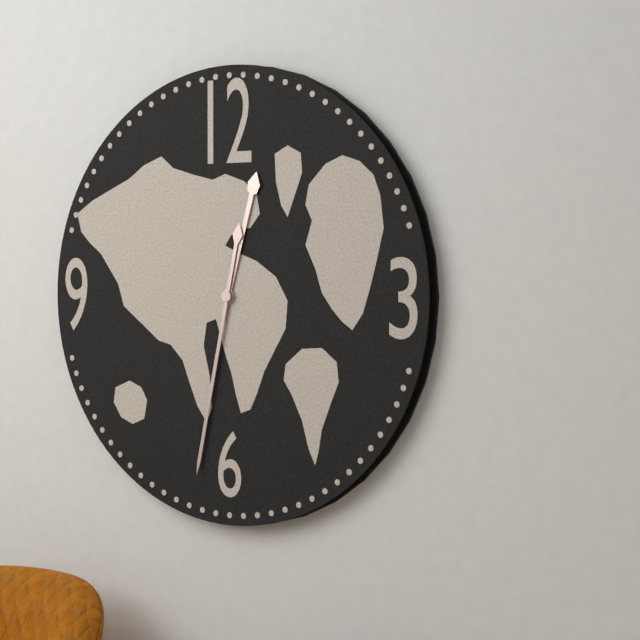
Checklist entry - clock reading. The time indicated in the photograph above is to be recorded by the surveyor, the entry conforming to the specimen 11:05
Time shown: 12:32
